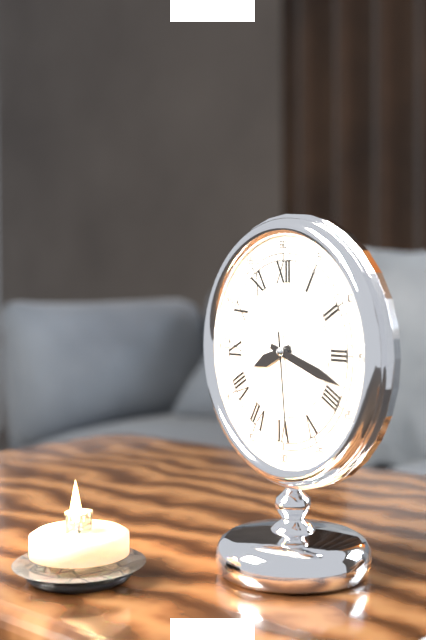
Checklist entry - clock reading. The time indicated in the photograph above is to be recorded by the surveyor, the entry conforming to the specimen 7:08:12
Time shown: 8:18:29
